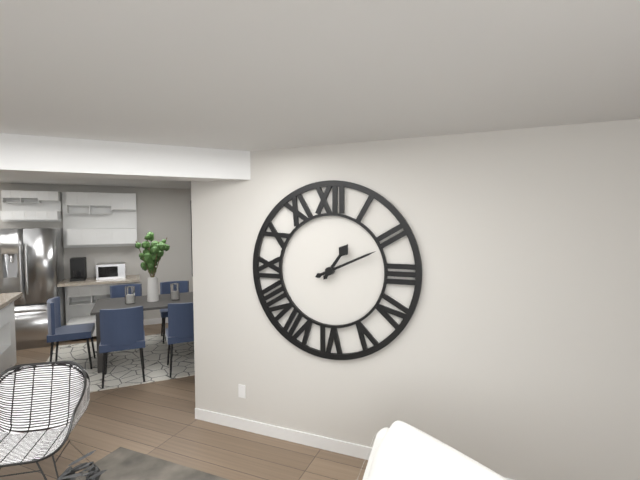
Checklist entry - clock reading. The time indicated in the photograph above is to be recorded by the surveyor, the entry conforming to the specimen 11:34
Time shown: 1:11
